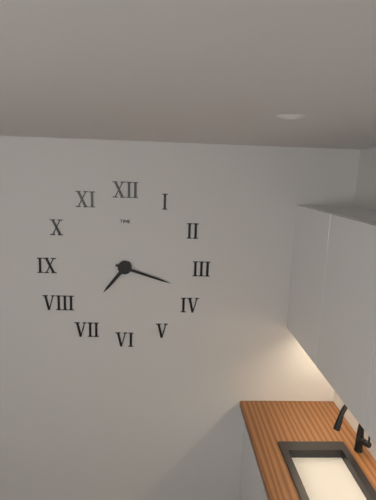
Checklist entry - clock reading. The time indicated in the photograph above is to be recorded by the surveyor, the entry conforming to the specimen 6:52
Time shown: 7:18
